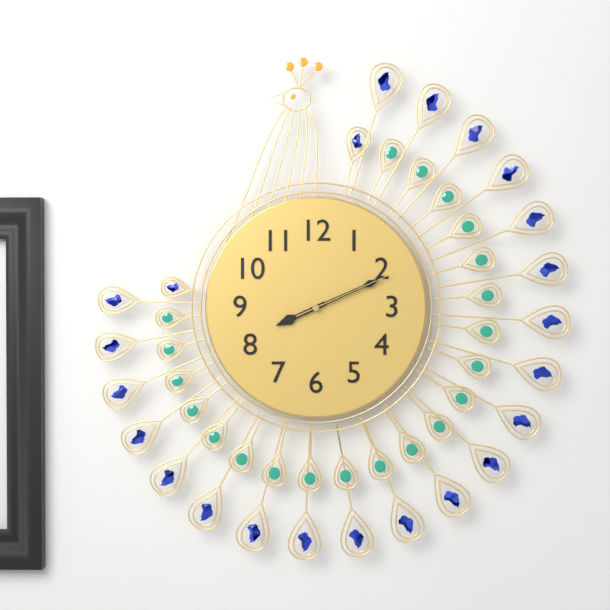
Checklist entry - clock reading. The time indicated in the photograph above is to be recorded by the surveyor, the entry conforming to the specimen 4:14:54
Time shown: 8:11:11
